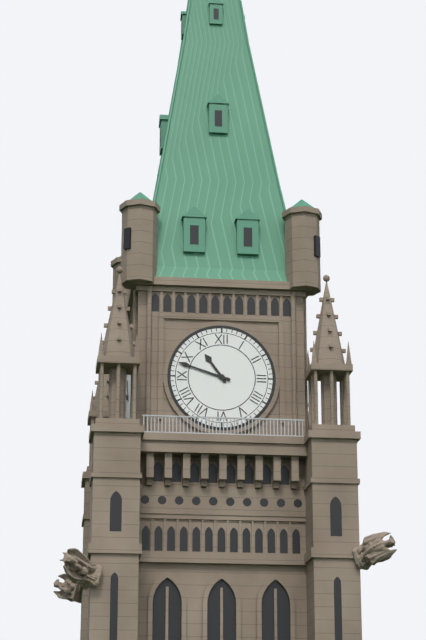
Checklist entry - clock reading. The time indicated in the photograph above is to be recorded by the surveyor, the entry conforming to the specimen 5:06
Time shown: 10:48
